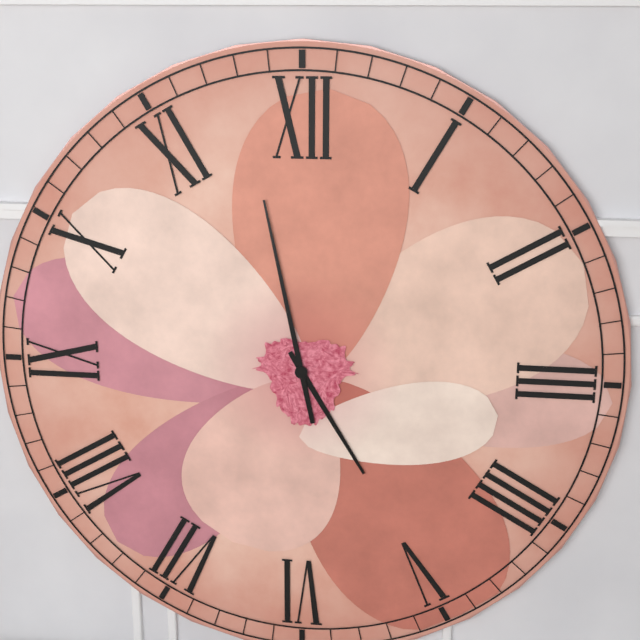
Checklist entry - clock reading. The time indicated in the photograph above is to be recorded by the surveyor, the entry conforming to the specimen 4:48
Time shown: 4:58
